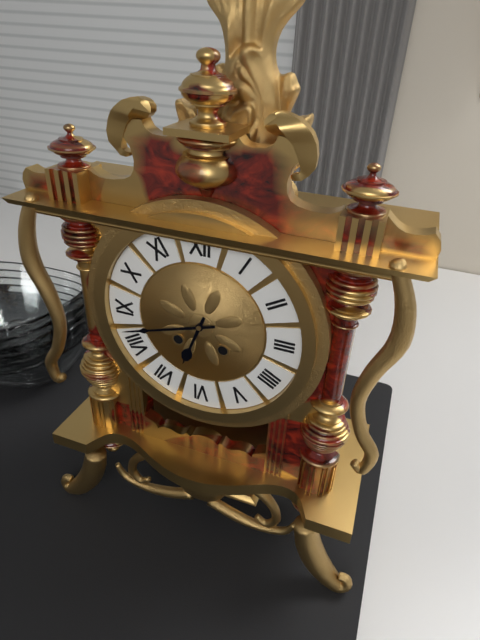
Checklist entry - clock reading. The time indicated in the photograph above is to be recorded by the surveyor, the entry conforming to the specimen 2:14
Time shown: 6:42
